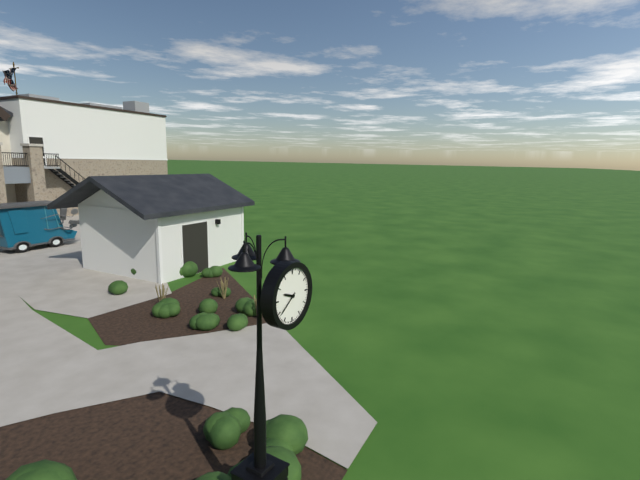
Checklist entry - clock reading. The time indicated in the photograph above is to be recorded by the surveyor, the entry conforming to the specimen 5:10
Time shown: 9:39
